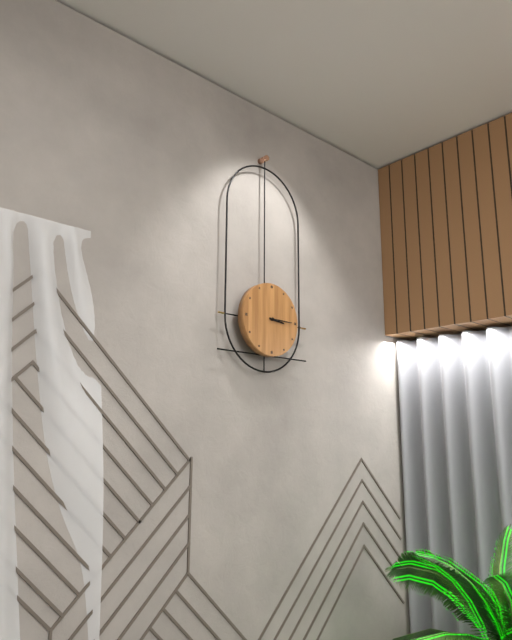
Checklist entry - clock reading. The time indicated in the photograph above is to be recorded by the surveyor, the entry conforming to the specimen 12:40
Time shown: 3:15
